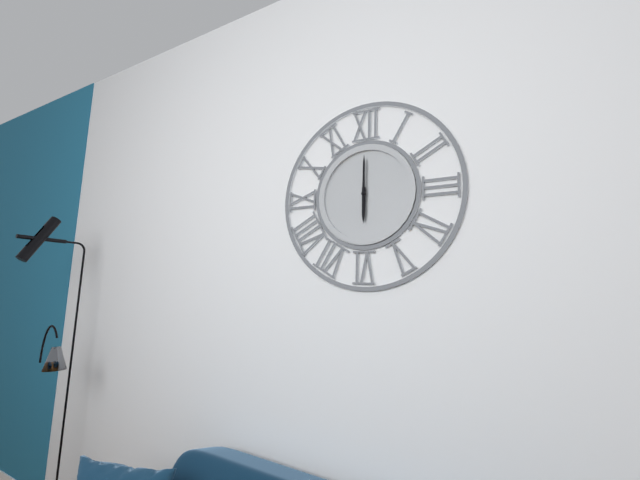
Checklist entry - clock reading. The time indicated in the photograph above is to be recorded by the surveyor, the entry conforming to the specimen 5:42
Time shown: 6:00
